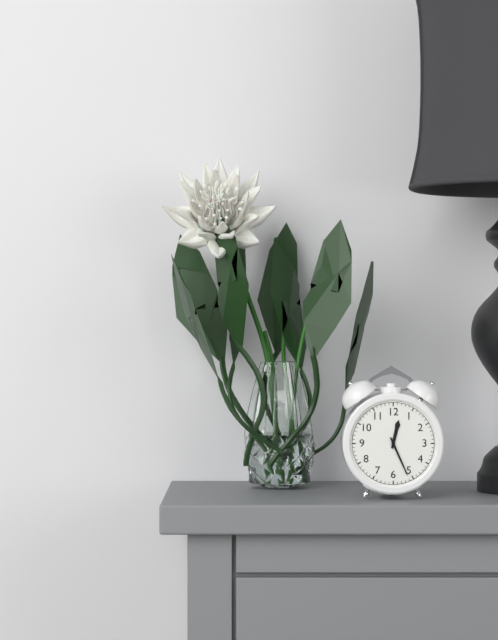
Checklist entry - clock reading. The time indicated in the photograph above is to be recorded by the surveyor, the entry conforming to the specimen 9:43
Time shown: 12:26
